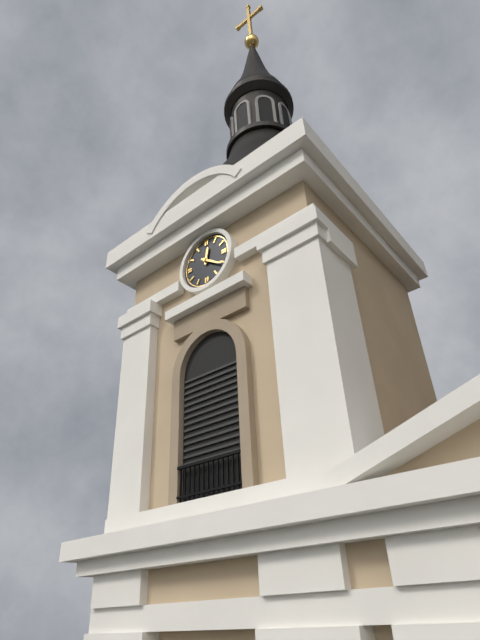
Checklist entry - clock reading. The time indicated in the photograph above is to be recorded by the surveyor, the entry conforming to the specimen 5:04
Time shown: 12:21
